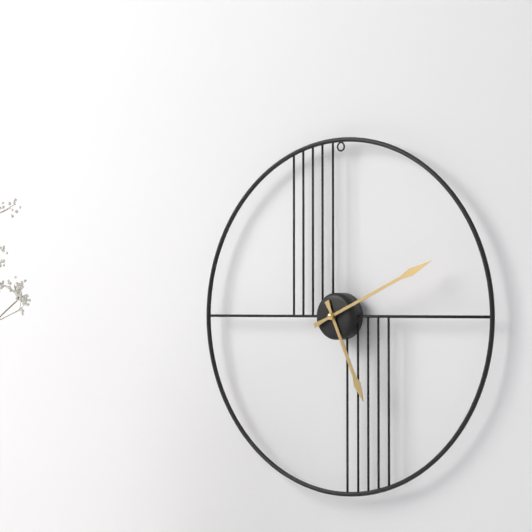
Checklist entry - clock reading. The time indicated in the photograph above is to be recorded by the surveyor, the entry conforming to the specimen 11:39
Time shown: 5:11
